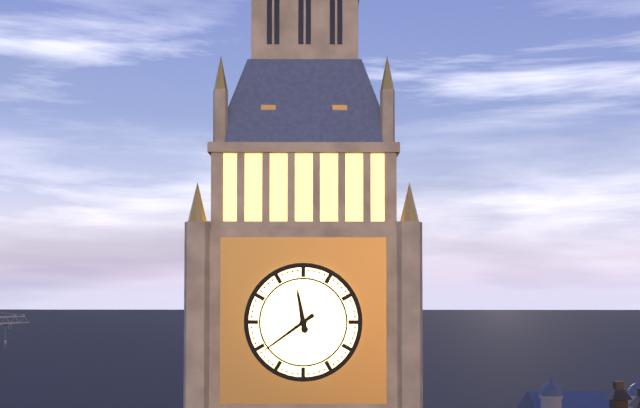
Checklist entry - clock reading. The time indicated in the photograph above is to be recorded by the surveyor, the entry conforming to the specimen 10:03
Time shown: 11:39
